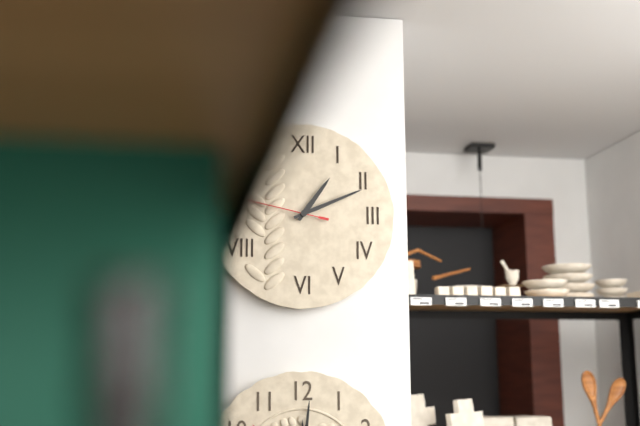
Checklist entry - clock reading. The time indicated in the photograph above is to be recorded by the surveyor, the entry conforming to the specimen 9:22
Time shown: 1:11
